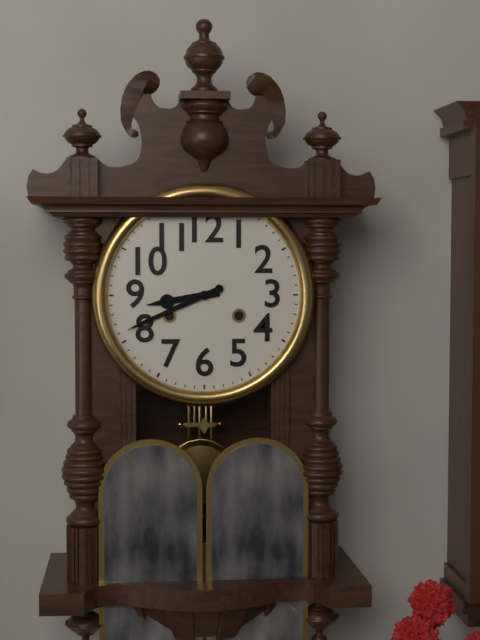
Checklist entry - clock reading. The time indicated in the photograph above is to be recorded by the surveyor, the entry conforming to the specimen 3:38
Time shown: 8:41
